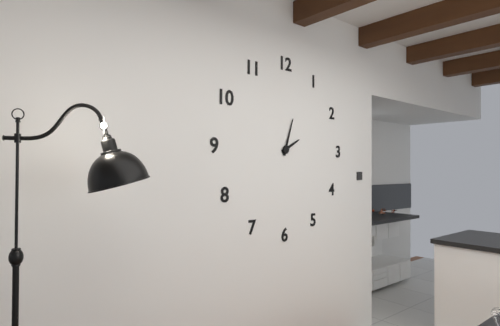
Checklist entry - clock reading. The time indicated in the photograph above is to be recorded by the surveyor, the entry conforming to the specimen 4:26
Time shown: 2:03
